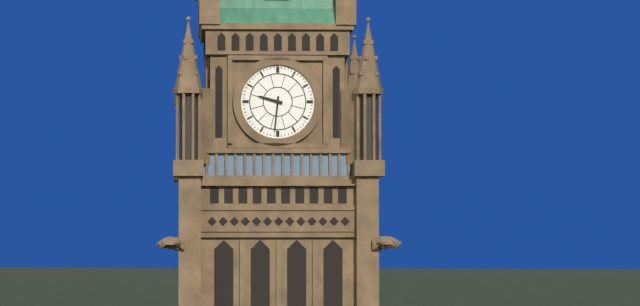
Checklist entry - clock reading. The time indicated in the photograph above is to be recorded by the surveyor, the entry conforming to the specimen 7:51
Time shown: 9:31
